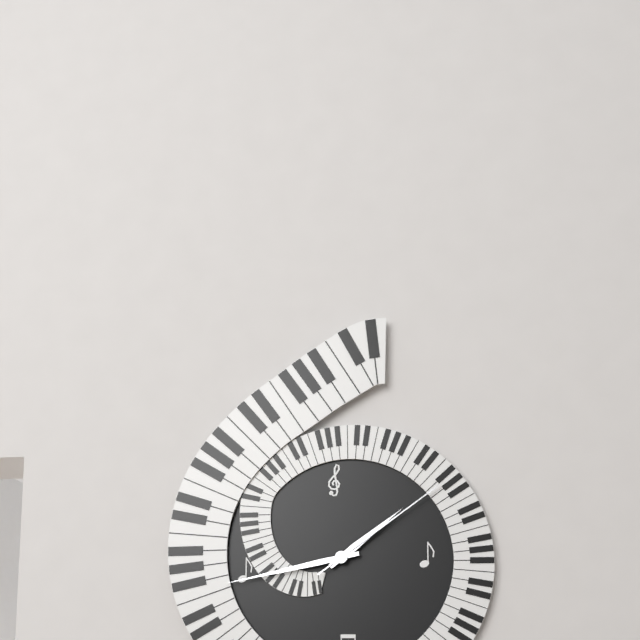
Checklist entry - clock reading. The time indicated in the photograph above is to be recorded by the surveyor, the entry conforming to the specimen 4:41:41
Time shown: 1:43:09
